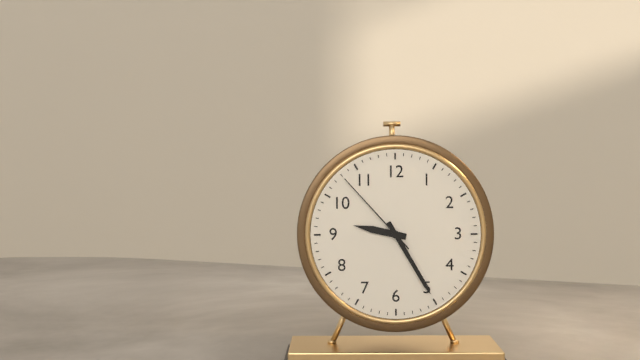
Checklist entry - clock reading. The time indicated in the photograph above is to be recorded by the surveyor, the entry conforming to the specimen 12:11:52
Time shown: 9:25:53
